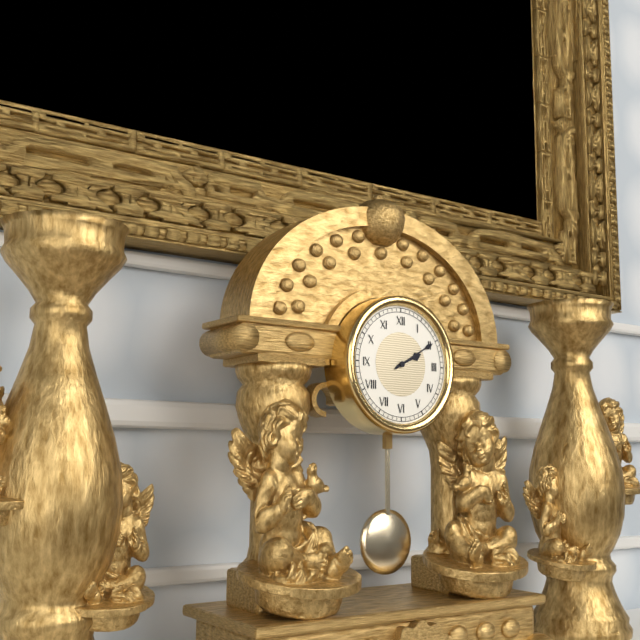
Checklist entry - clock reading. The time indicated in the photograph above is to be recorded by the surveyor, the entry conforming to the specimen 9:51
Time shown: 2:10
